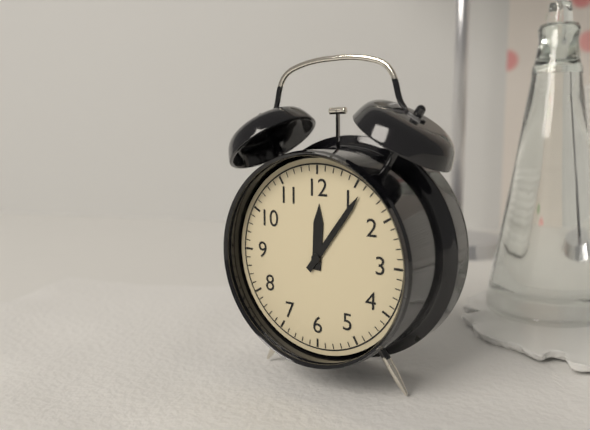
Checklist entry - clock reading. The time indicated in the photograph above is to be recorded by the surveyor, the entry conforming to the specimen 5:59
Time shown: 12:06
